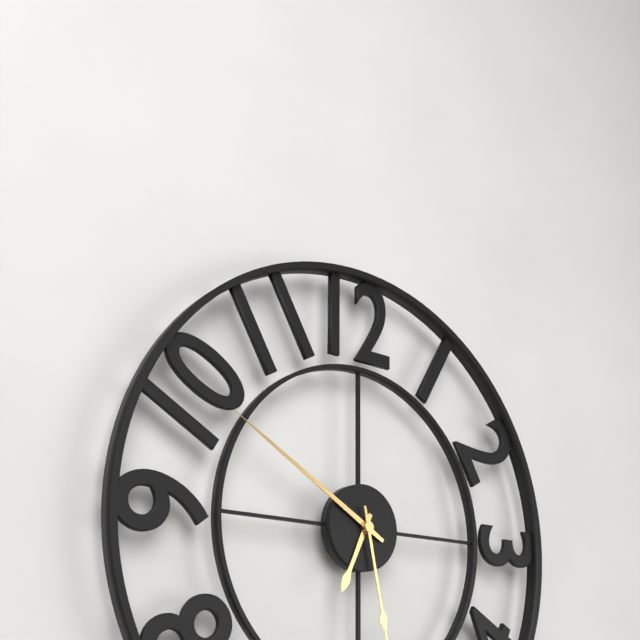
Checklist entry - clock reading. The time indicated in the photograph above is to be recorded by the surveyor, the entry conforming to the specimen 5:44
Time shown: 6:50
